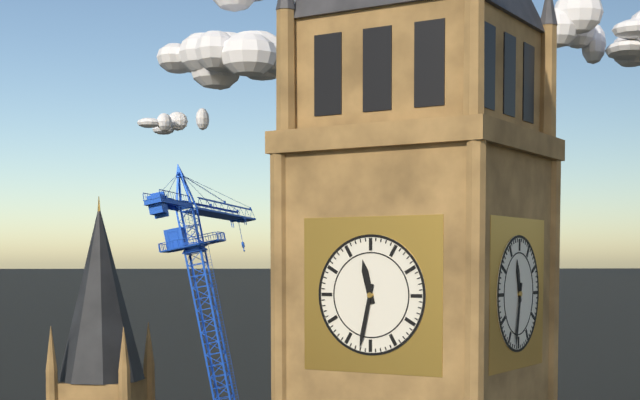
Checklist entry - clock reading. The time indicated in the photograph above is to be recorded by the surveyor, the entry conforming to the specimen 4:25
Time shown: 11:32
